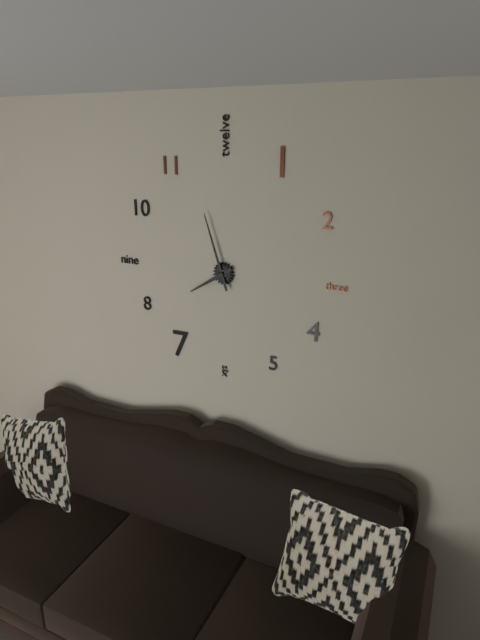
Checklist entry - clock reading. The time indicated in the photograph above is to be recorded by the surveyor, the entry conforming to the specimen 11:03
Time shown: 7:57
